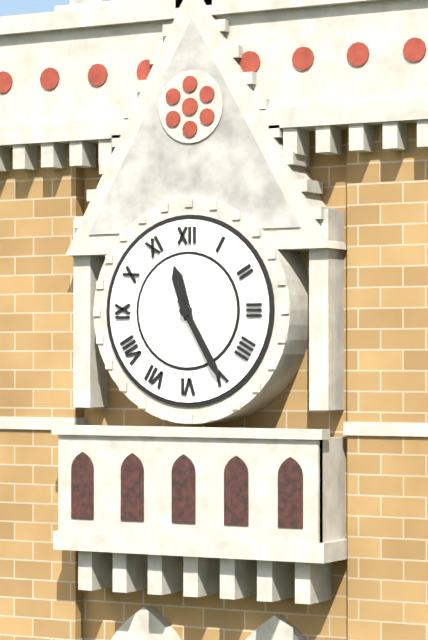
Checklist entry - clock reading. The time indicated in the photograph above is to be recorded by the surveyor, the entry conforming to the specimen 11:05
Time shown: 11:25
